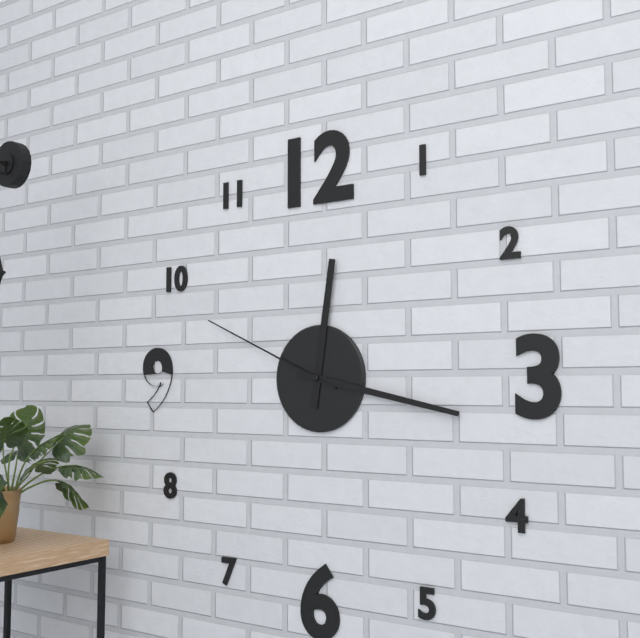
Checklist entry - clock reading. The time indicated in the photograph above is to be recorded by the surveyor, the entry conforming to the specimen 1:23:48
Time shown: 12:17:49
